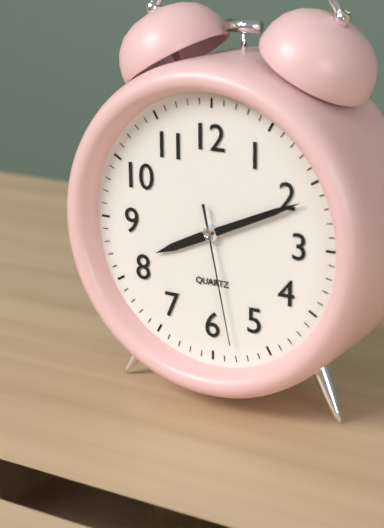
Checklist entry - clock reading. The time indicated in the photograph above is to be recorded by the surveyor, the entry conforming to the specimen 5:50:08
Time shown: 8:11:28
